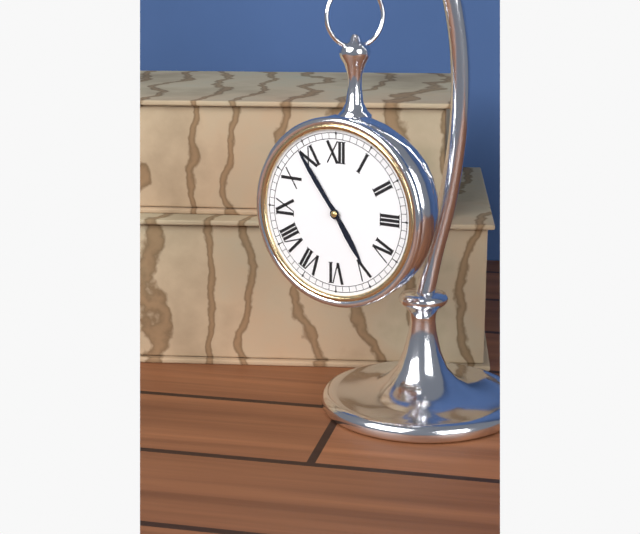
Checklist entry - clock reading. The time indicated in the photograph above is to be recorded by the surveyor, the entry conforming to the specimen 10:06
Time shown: 4:54
